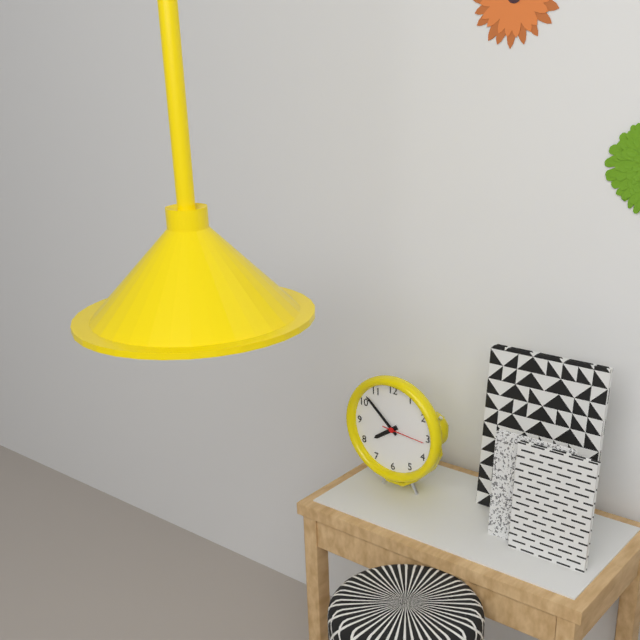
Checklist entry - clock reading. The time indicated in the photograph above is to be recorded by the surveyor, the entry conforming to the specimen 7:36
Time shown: 7:52
